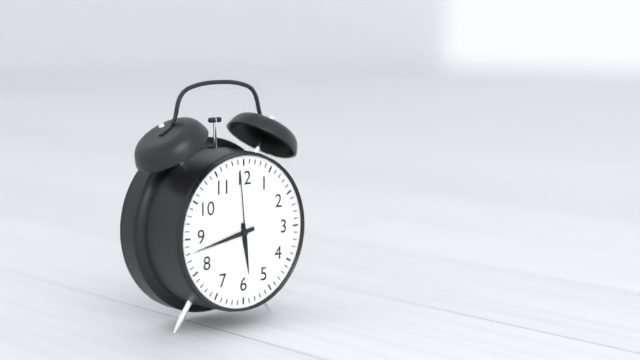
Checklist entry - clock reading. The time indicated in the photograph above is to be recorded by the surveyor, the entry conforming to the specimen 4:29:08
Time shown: 5:43:59
